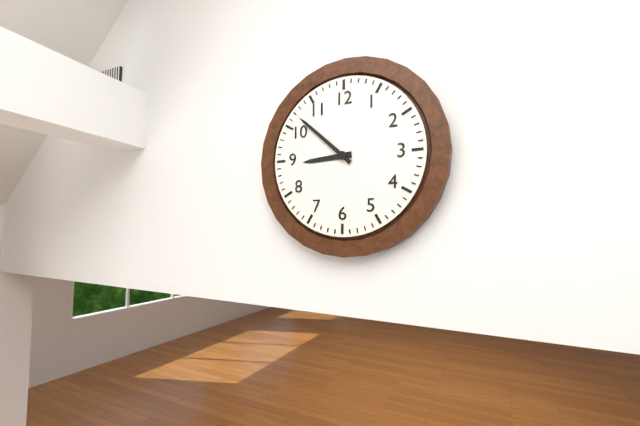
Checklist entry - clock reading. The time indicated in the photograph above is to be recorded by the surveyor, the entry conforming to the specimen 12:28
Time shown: 8:52
